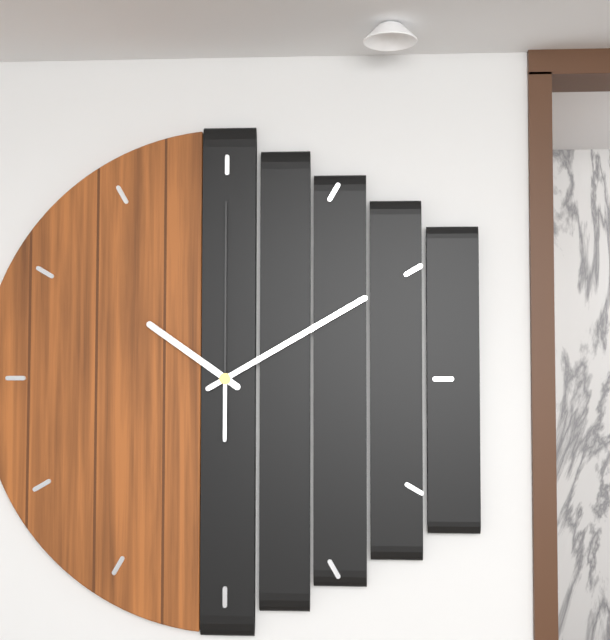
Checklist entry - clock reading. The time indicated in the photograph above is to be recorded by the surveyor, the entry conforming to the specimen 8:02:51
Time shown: 10:10:00
